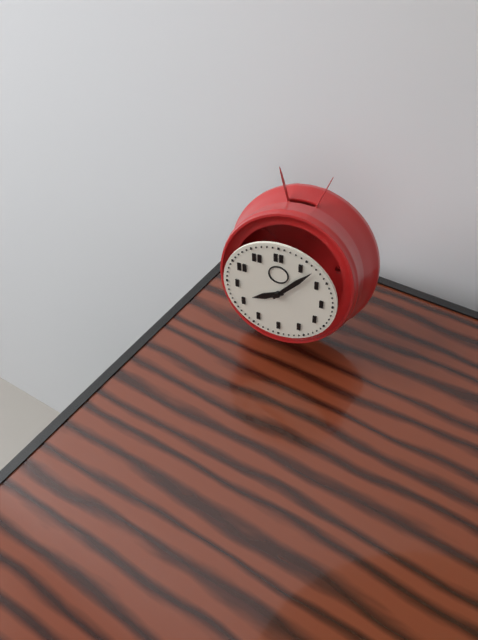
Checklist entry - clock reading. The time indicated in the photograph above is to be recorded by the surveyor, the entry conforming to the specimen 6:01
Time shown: 8:07
